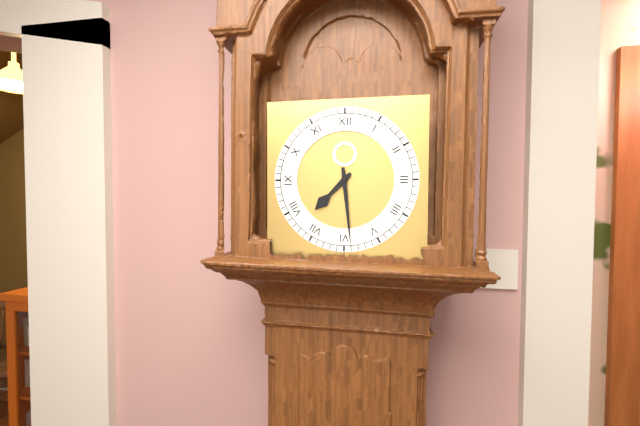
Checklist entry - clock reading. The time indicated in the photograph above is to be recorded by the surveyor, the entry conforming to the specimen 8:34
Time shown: 7:29
